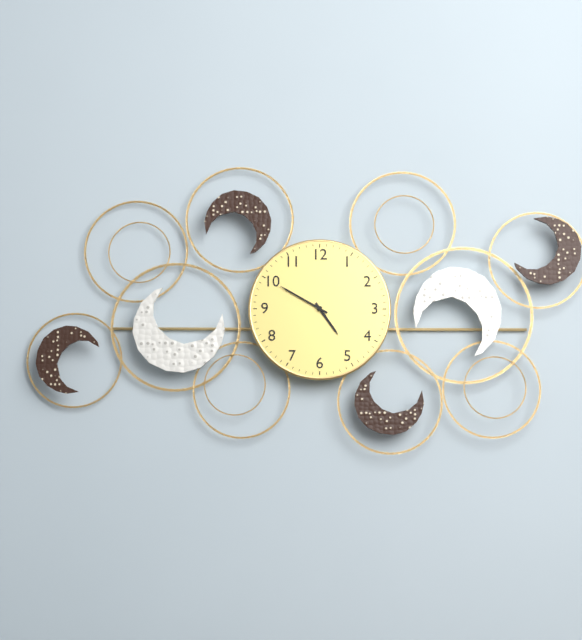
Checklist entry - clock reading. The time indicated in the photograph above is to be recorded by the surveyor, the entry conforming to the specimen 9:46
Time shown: 4:50
